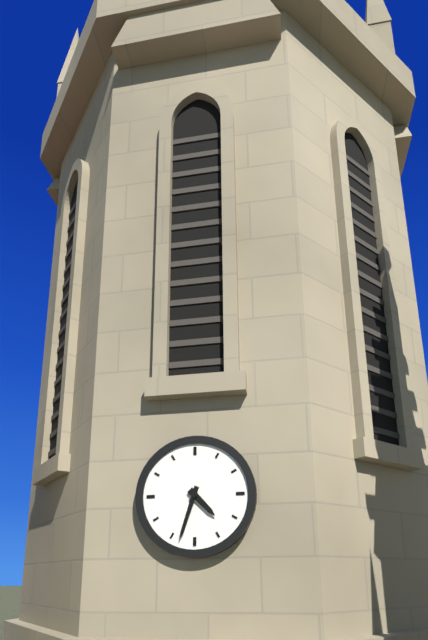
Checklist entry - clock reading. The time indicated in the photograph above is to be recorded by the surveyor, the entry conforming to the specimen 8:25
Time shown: 4:33
